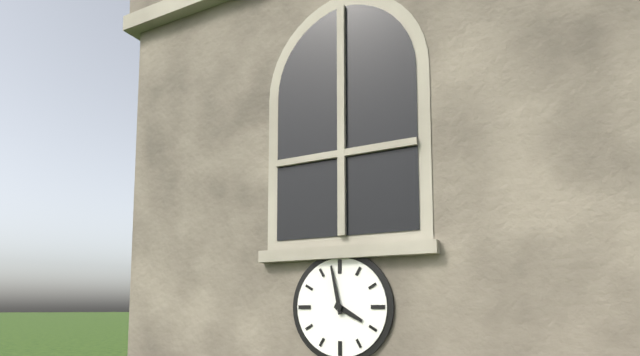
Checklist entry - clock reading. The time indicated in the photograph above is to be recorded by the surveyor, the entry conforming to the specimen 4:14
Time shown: 3:58
